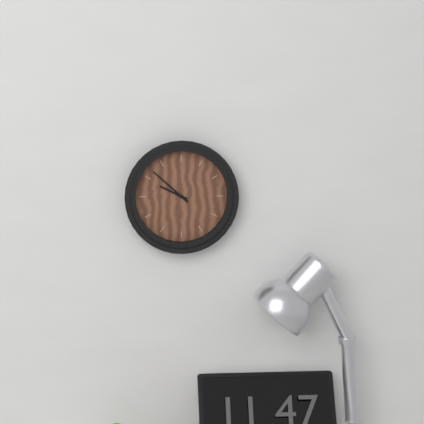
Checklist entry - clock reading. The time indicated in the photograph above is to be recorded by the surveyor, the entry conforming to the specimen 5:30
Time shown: 9:52
